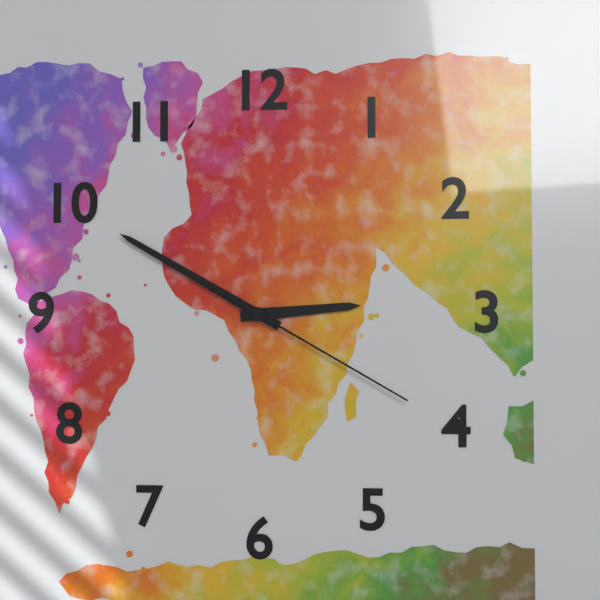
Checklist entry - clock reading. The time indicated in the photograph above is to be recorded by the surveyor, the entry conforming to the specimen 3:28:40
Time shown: 2:50:20
